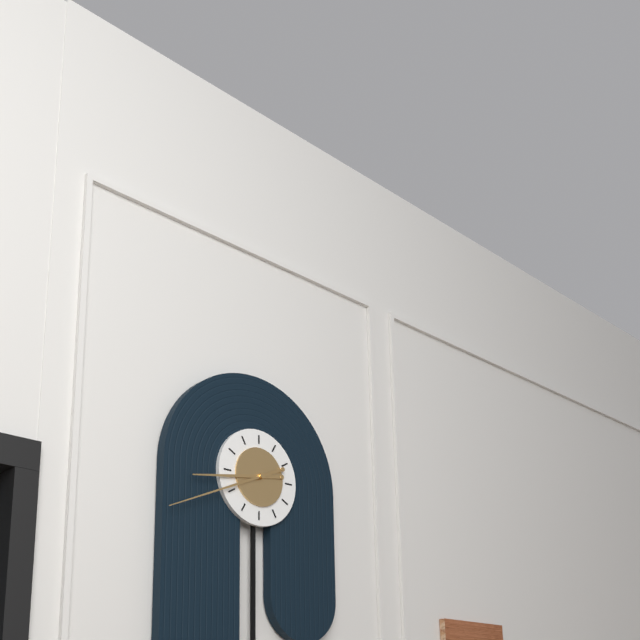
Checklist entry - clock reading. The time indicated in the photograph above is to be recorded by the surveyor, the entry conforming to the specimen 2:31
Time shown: 8:41
